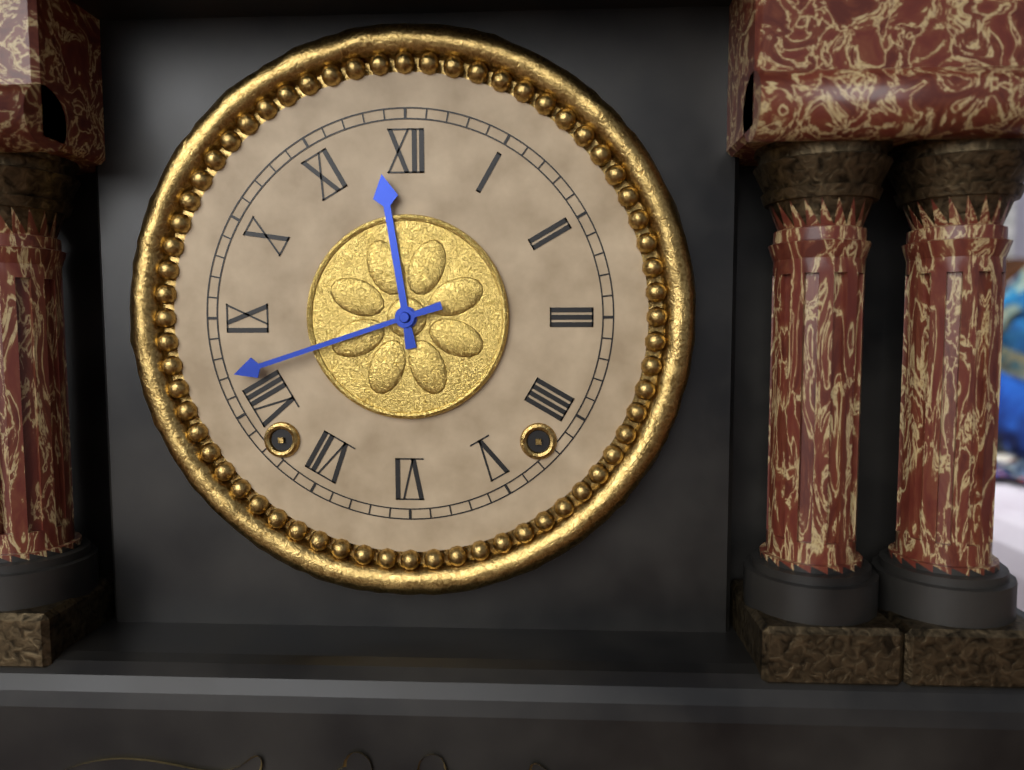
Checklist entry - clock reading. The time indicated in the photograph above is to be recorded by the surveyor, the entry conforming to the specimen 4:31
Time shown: 11:42
